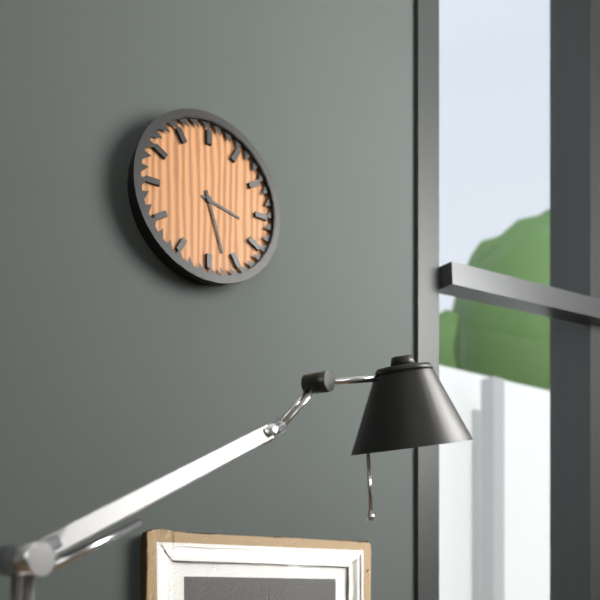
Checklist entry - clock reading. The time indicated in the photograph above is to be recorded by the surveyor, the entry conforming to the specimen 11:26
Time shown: 3:27
